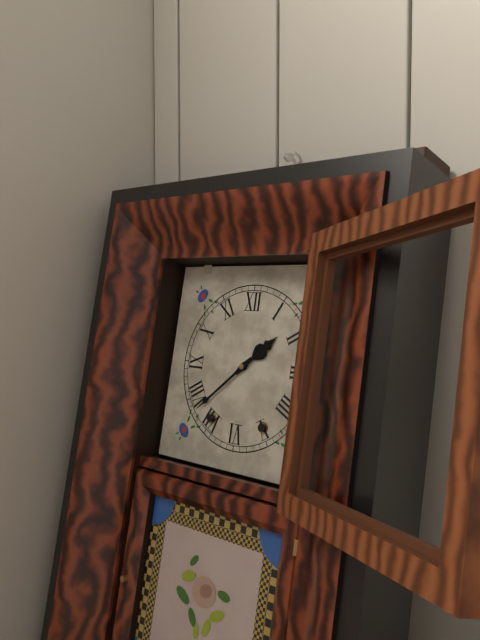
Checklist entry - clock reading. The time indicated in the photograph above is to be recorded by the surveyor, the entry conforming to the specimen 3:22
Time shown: 1:38
